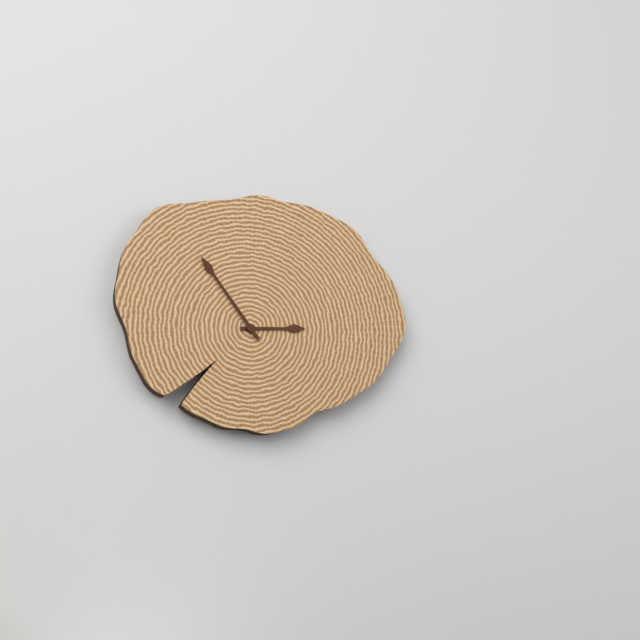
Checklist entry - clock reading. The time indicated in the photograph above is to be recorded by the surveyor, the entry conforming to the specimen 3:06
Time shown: 2:54
